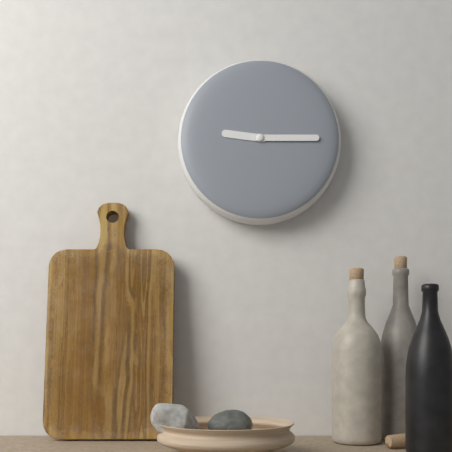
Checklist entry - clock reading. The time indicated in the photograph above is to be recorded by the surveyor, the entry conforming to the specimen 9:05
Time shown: 9:15
